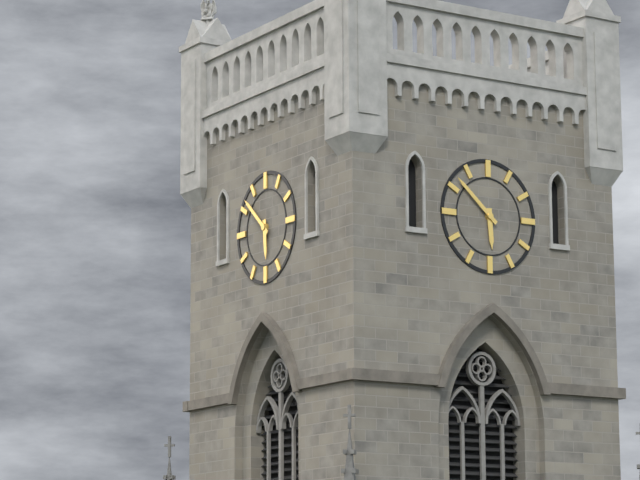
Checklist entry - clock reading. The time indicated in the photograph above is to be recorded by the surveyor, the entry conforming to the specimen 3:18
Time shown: 5:52
